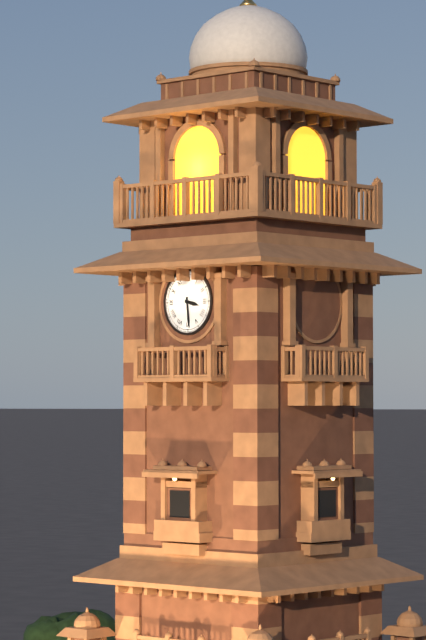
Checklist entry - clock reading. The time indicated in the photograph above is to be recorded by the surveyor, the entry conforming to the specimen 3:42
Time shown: 3:29
